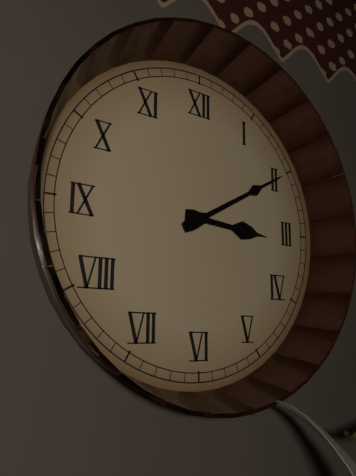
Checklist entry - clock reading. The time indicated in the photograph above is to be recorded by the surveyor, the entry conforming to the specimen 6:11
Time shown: 3:10
